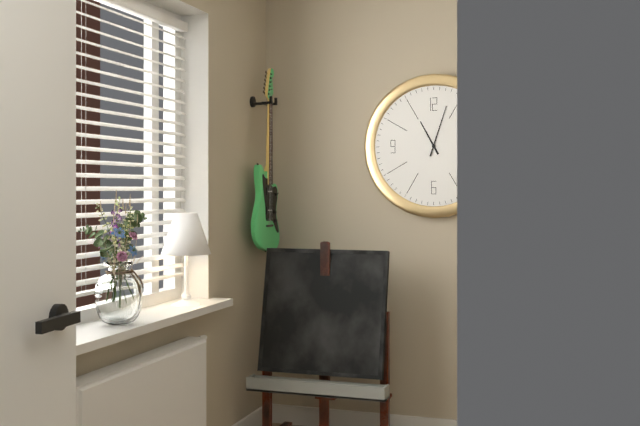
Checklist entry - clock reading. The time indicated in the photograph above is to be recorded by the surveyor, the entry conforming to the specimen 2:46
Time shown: 11:03
